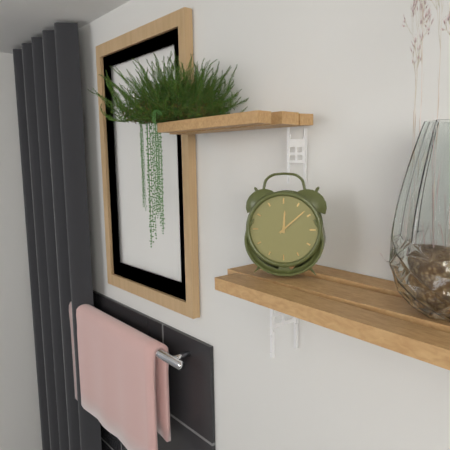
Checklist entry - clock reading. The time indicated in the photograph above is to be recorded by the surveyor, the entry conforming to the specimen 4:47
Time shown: 12:08
